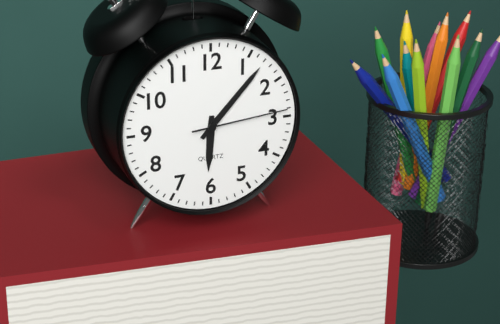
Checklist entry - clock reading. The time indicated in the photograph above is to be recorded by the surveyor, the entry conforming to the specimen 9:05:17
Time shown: 6:07:14
